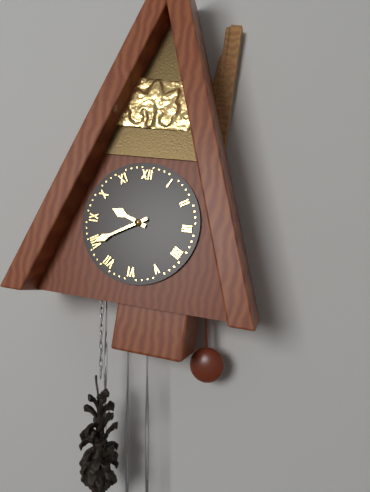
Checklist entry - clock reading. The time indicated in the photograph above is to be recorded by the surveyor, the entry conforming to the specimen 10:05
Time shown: 9:40
